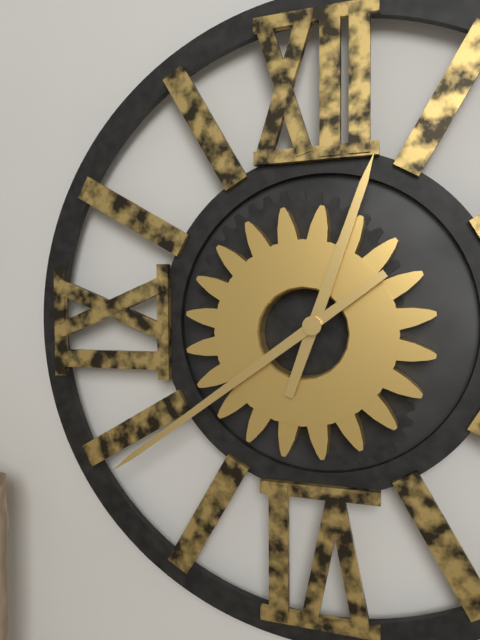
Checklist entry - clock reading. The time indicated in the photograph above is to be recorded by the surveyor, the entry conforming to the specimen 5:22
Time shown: 12:39
